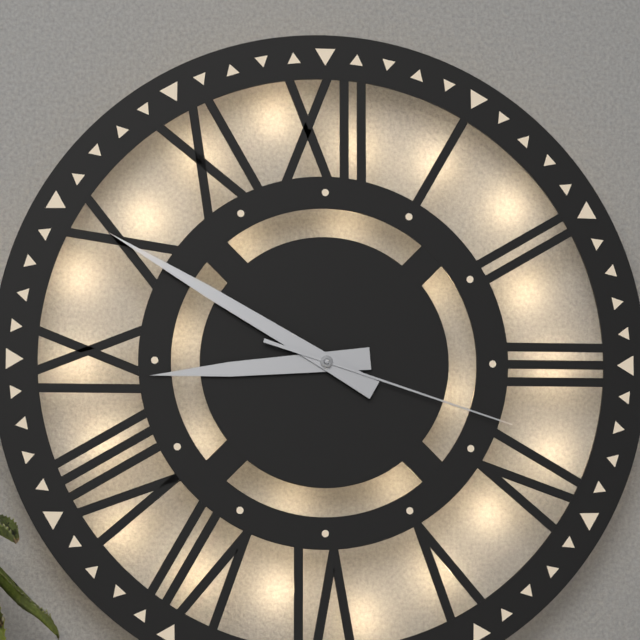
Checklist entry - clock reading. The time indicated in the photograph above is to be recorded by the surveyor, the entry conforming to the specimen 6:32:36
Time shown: 8:50:18
